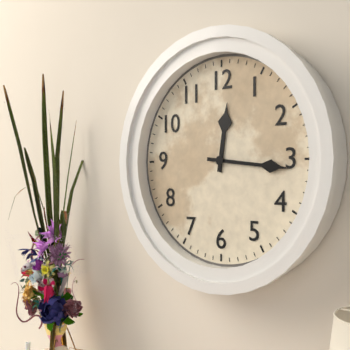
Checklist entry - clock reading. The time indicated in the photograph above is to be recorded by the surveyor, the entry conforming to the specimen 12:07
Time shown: 12:16
